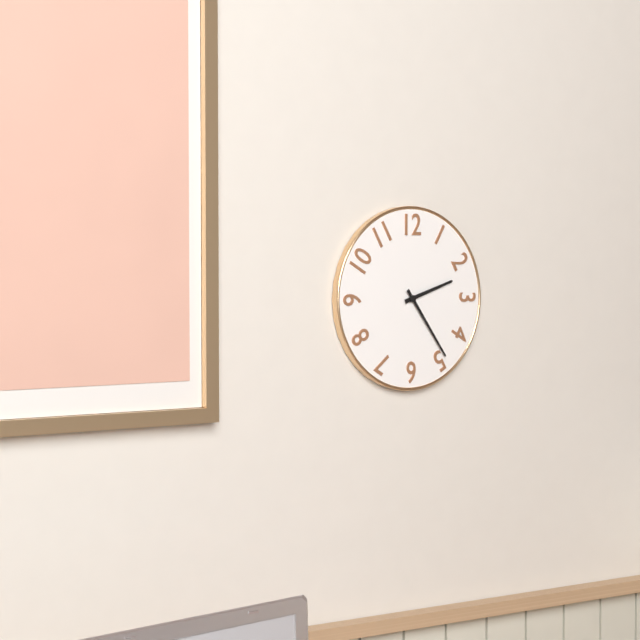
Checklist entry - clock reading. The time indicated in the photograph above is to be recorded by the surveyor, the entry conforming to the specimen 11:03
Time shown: 2:24
